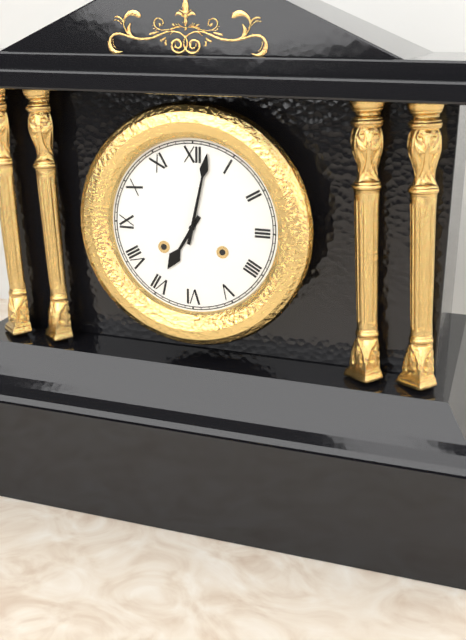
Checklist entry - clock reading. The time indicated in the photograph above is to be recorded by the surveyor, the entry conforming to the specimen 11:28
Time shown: 7:02
